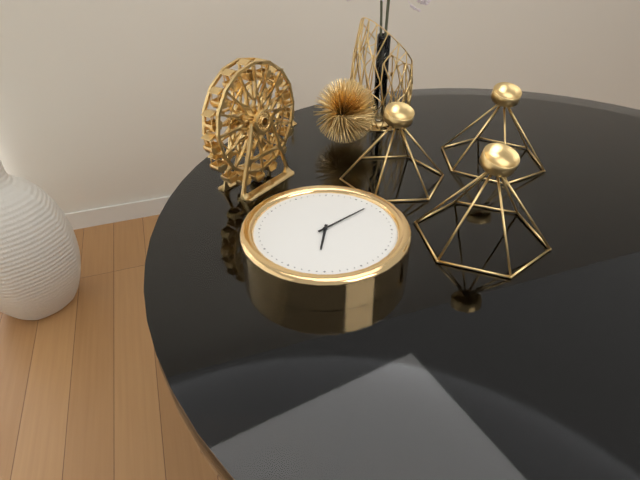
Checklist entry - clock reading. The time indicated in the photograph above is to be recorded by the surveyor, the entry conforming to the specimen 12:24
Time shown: 7:13
